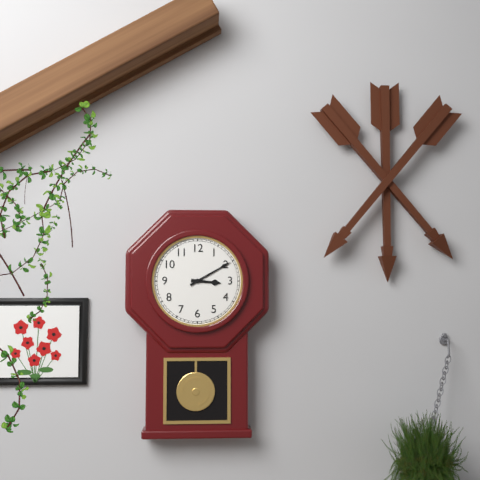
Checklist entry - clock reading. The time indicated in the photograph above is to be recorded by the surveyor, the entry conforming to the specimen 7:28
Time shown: 3:10
